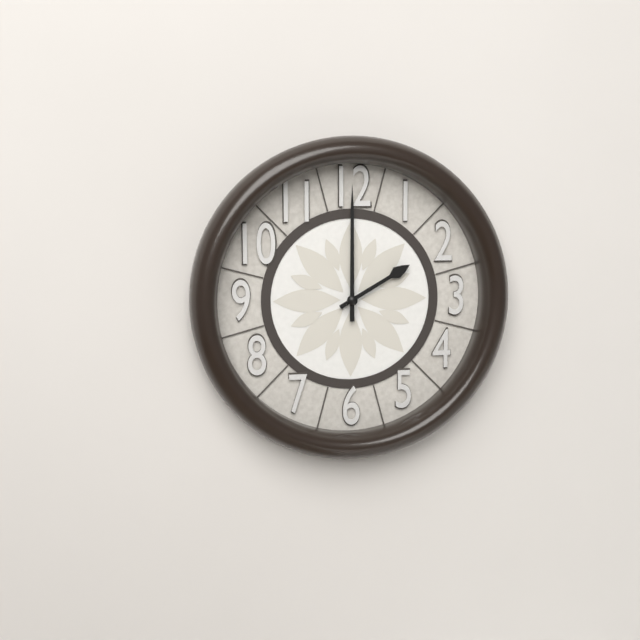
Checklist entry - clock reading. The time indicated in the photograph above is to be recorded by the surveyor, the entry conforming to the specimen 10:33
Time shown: 2:00
